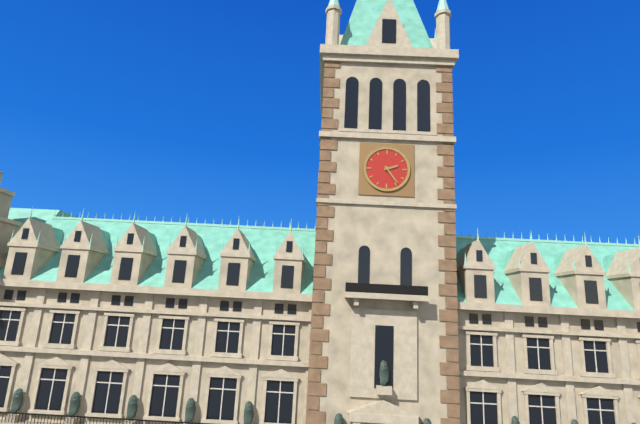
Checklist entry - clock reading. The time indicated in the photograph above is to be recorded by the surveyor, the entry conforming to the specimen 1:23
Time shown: 2:24
